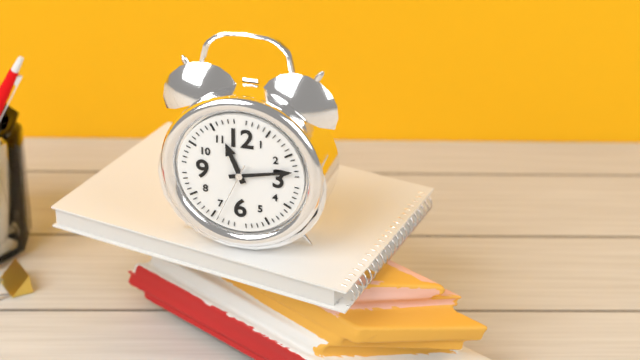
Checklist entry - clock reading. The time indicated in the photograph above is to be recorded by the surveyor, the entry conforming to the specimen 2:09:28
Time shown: 11:13:34
